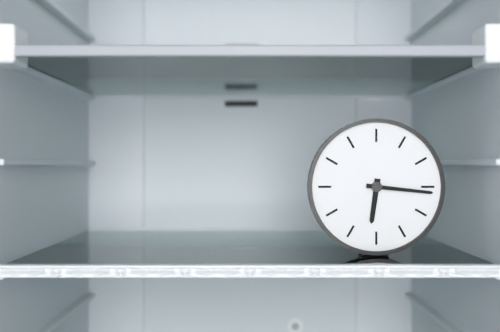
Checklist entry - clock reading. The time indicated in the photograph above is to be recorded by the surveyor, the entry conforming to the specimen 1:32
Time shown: 6:16
